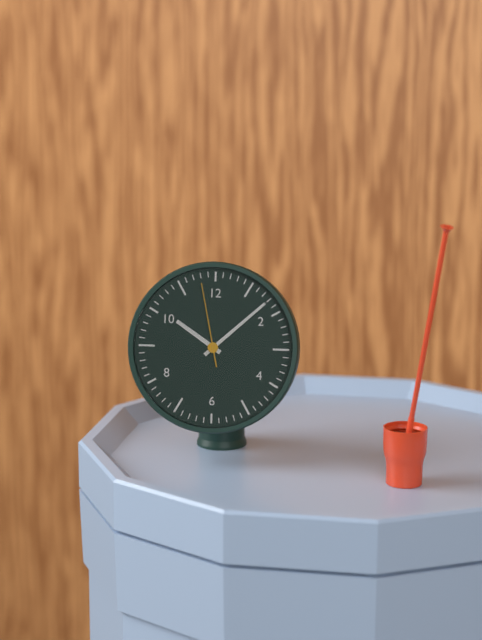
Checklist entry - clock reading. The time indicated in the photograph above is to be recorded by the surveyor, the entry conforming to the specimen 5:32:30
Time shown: 10:08:58
